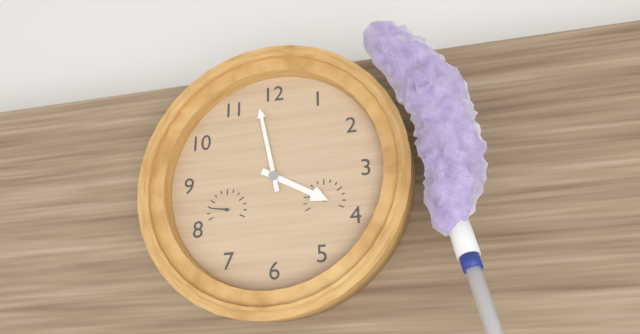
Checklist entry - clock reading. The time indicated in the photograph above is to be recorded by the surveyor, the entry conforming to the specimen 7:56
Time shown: 3:58
